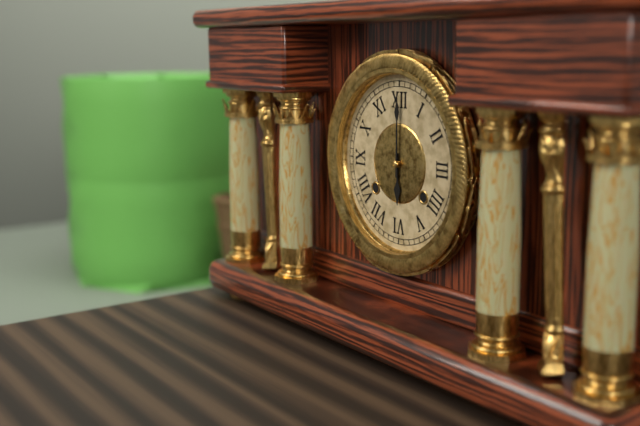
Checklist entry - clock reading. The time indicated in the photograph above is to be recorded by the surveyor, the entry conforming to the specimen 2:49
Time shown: 6:00
